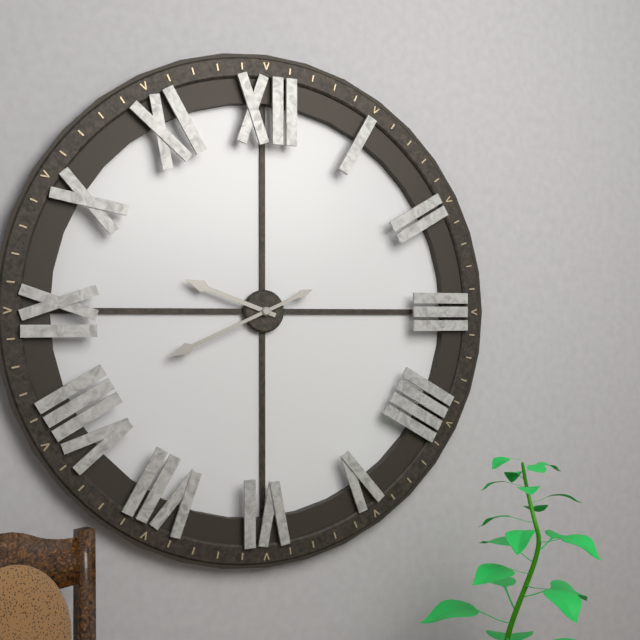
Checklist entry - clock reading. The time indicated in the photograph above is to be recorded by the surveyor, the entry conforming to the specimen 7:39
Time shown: 9:41
